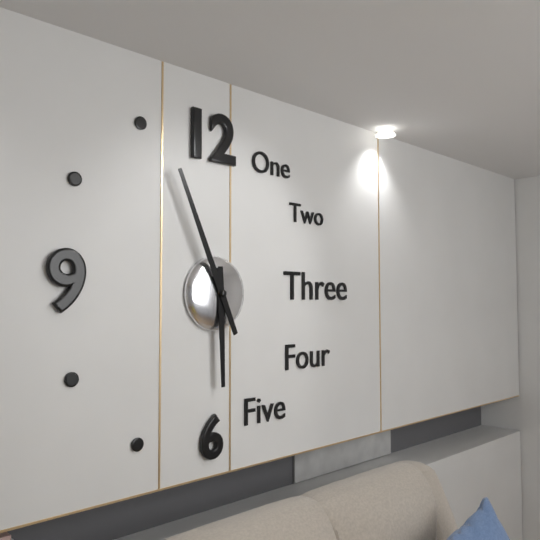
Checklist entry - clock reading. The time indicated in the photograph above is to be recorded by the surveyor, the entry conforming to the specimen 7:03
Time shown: 5:56
